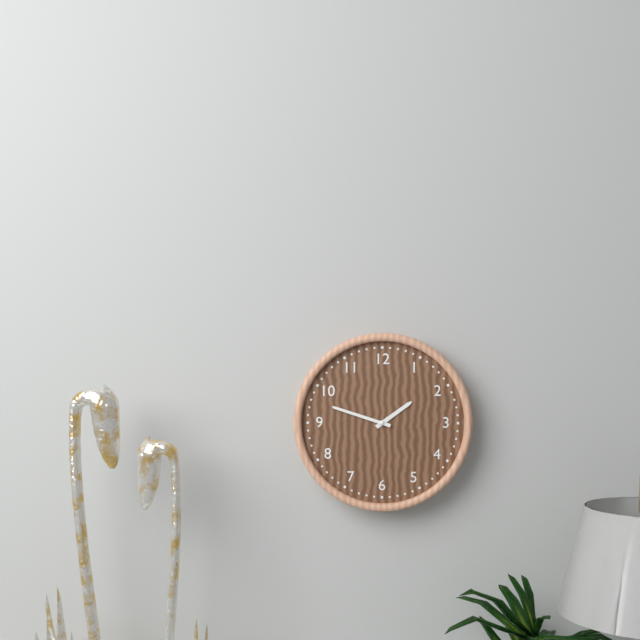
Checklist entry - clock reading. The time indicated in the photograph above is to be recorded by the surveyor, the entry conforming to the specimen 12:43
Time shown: 1:48
